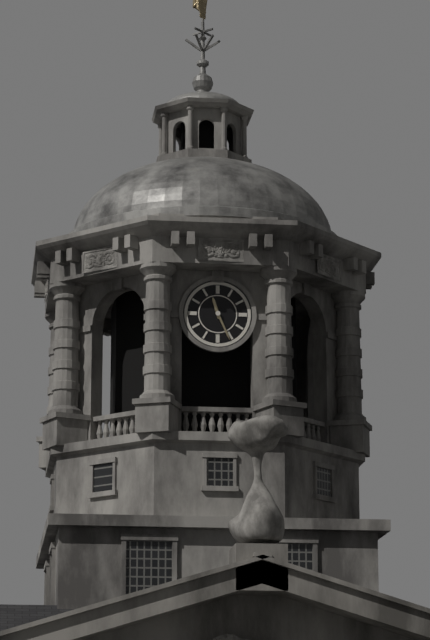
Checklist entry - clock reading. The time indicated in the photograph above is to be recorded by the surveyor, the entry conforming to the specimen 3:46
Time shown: 11:26
